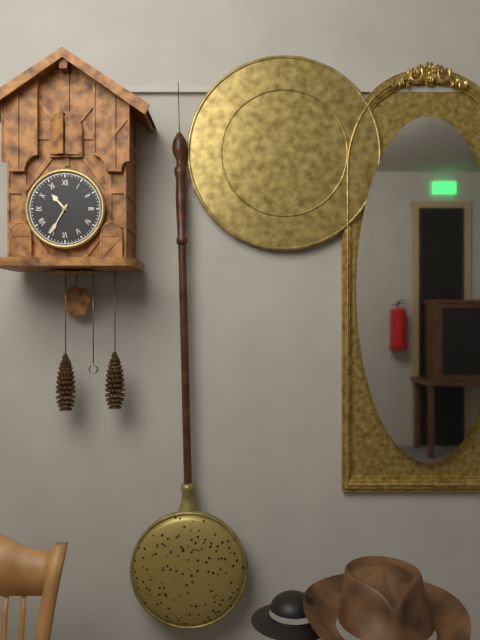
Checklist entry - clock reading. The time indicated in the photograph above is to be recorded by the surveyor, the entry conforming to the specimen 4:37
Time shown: 10:35
